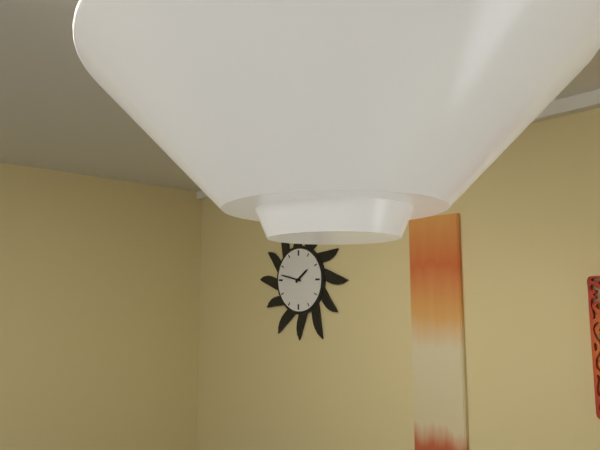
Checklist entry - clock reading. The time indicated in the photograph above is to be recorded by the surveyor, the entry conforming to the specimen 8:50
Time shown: 1:47
